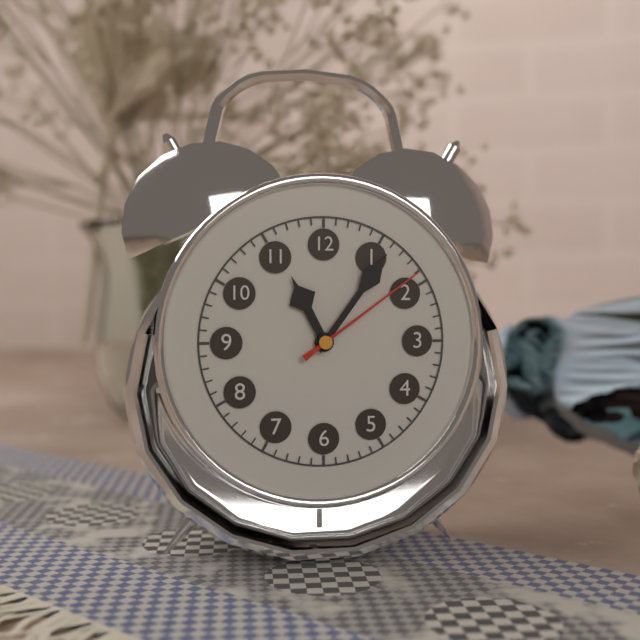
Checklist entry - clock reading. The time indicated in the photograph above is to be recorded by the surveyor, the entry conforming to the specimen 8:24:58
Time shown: 11:06:09
